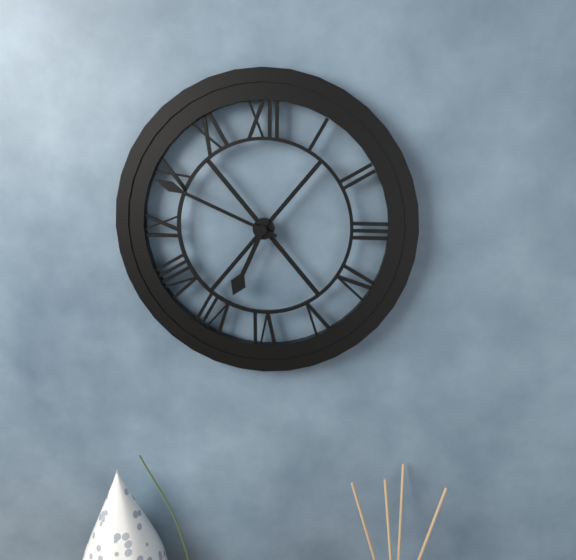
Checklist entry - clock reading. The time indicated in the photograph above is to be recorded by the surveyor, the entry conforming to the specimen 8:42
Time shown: 6:49
